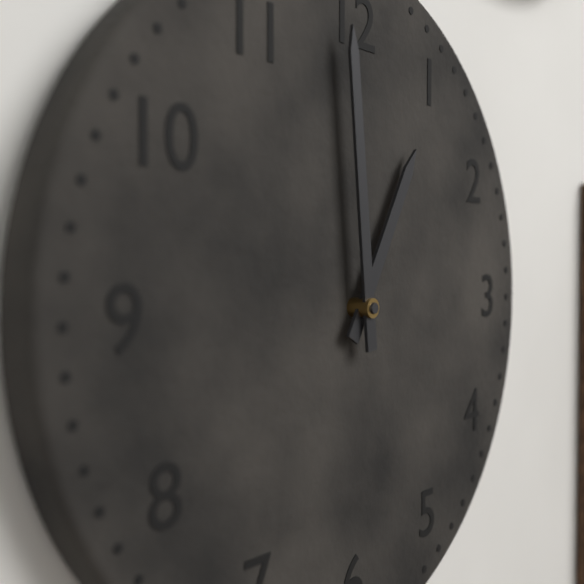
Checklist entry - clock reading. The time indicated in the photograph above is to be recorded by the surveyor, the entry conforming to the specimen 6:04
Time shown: 12:59
